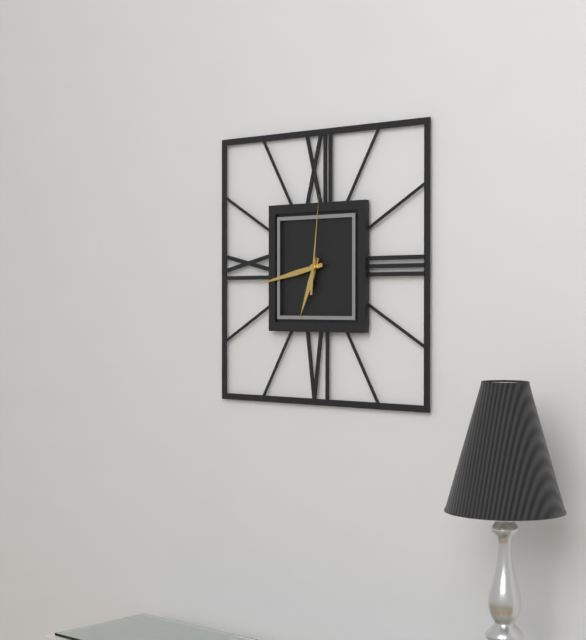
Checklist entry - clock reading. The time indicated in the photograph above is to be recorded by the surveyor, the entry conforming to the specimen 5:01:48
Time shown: 6:43:01
